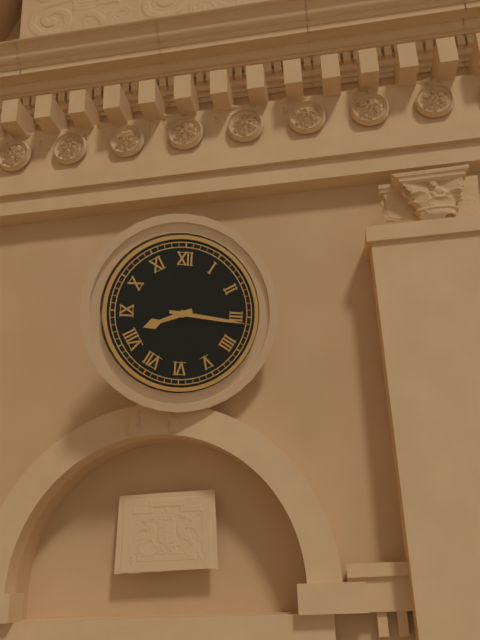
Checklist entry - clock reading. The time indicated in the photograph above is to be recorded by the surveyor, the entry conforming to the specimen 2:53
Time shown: 8:16
